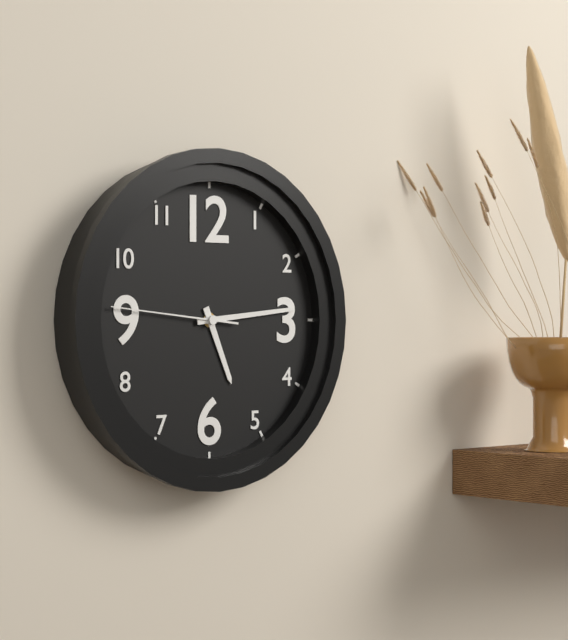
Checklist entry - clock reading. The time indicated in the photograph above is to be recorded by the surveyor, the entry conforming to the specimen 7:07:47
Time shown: 5:14:46
